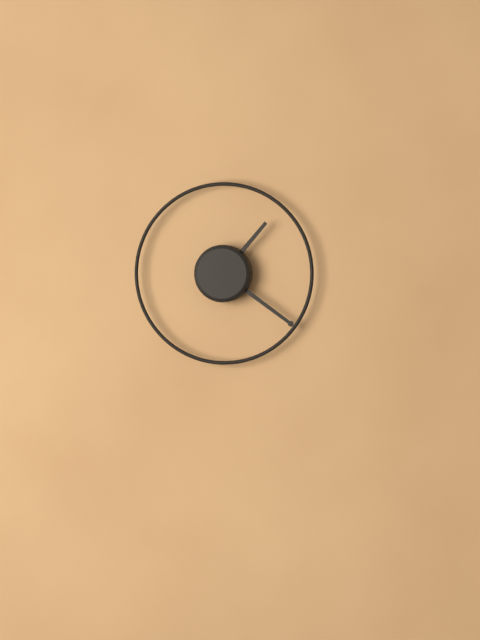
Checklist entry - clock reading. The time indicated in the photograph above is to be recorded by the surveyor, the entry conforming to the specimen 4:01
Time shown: 1:21
